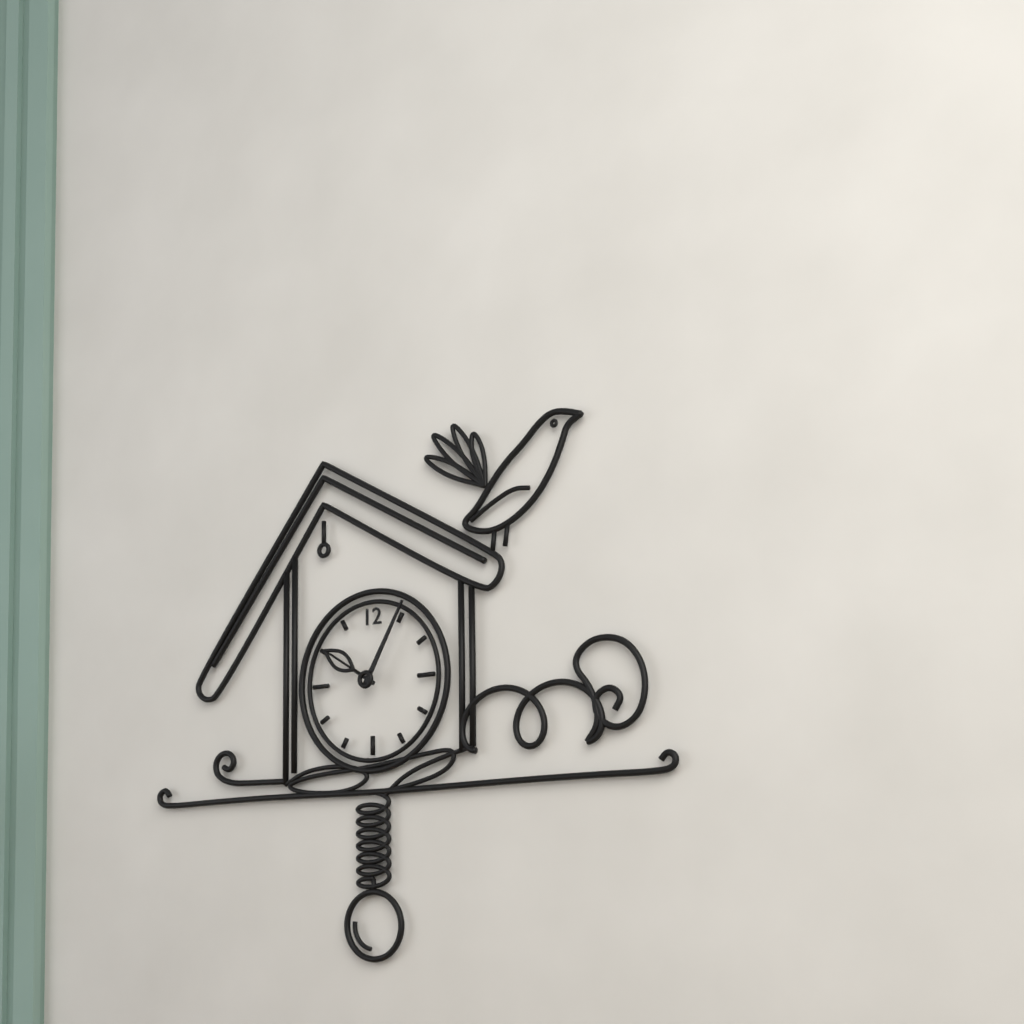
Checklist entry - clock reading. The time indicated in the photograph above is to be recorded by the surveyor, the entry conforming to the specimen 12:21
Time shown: 10:05
